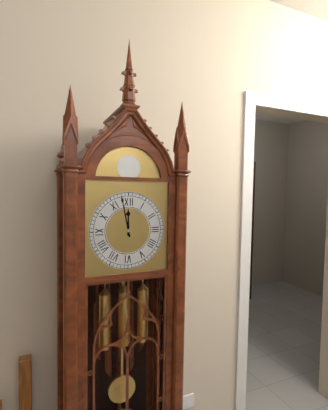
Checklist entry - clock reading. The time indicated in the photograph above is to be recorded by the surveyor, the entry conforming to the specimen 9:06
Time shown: 11:58
